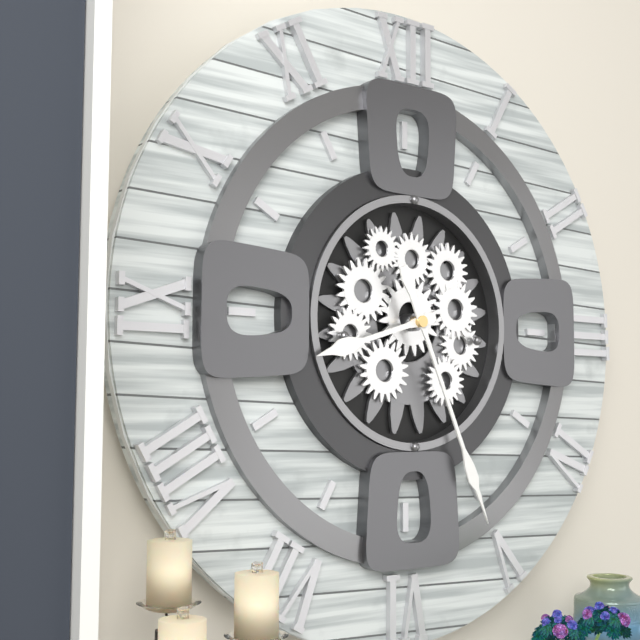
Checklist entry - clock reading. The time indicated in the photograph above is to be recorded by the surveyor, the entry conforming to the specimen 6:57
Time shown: 8:26
